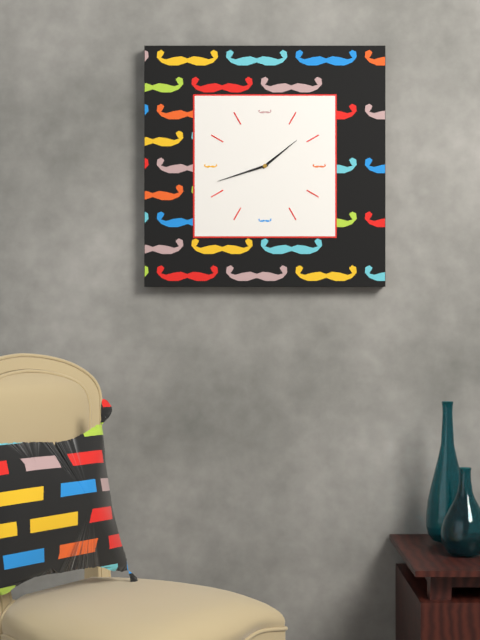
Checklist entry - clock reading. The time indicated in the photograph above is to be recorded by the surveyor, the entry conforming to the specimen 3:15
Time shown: 1:42
